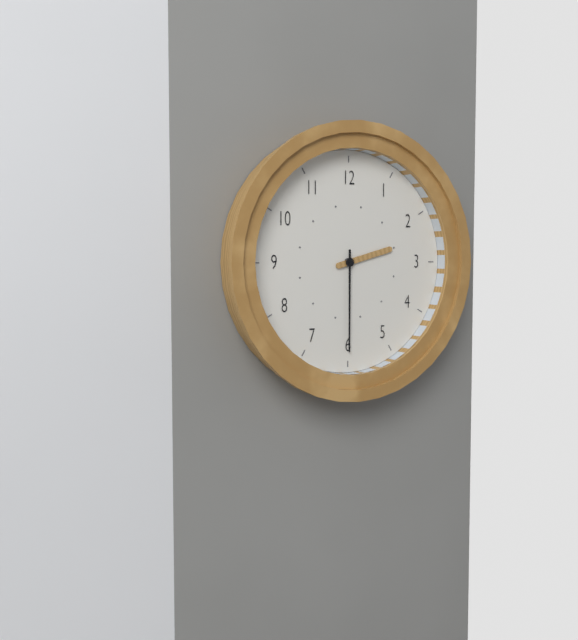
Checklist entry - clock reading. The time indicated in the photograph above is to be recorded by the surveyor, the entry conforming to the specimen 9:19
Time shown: 2:30
